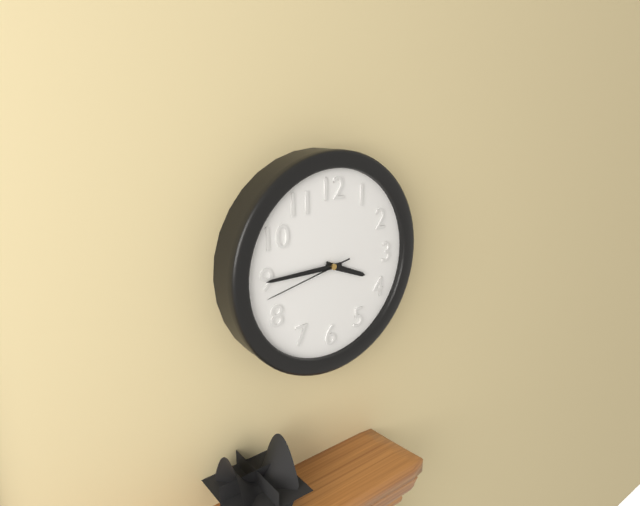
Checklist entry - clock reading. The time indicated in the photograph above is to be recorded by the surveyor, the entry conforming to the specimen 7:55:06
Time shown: 3:45:43
